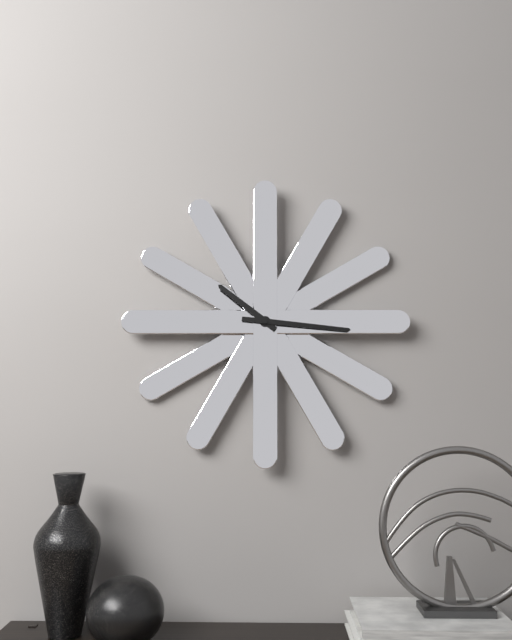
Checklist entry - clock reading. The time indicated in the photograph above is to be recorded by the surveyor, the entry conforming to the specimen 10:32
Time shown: 10:16
